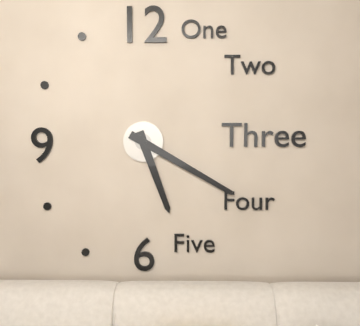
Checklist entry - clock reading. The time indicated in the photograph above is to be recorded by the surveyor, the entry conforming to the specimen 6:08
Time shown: 5:20
